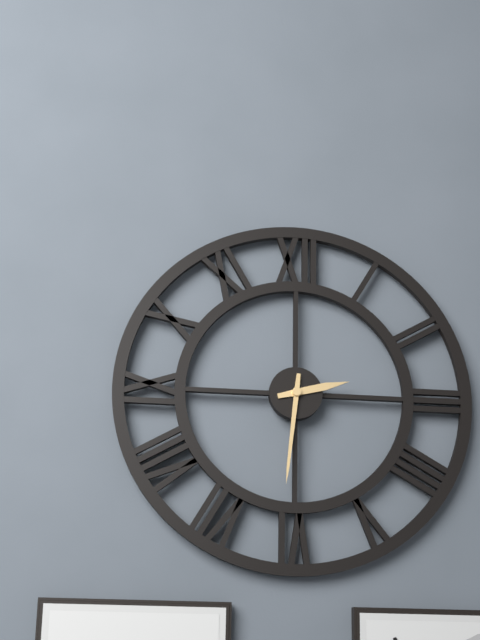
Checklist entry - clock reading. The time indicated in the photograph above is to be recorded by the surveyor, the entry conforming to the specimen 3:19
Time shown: 2:31
